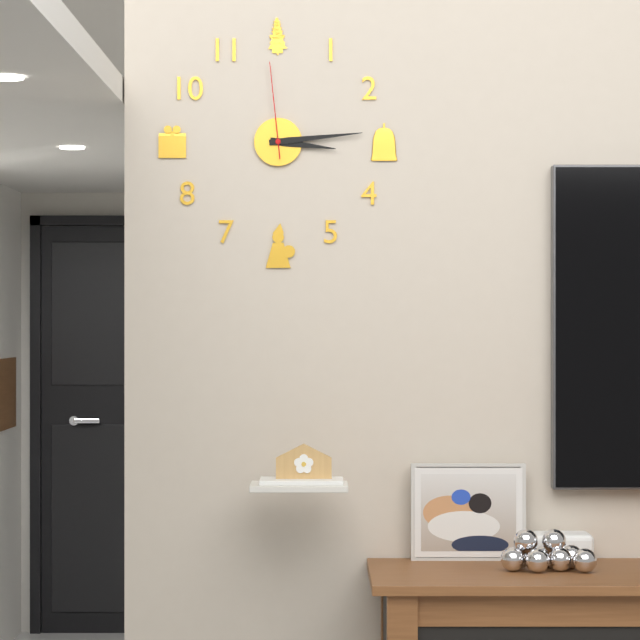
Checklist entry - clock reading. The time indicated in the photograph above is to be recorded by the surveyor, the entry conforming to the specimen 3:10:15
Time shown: 3:14:59
